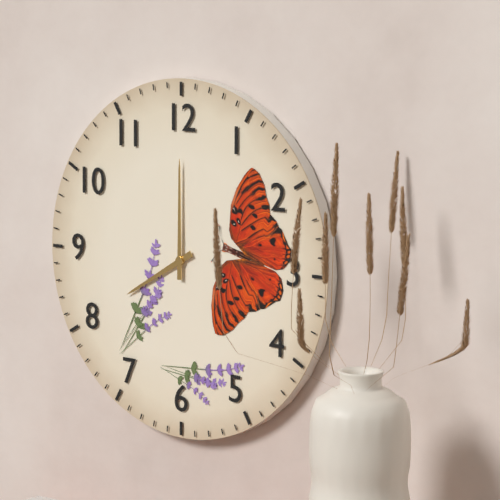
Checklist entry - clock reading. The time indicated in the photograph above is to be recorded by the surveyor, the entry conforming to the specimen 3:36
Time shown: 8:00
